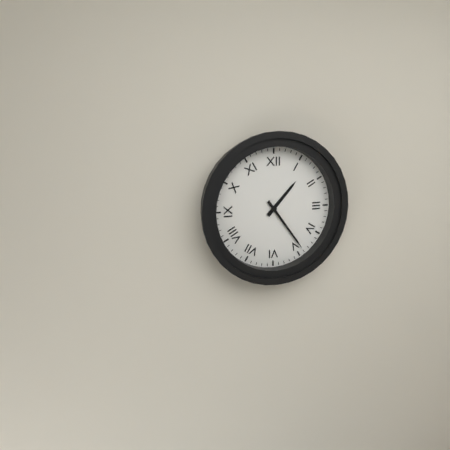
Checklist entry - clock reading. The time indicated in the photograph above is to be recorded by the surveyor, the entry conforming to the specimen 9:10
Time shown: 1:24
